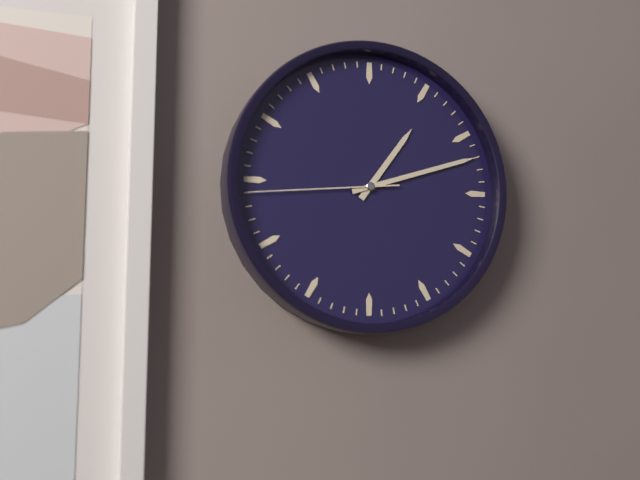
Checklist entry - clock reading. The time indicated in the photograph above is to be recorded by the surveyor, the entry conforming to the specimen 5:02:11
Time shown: 1:12:44
